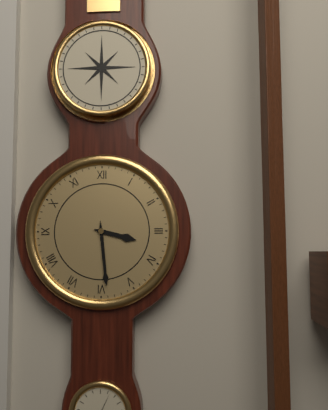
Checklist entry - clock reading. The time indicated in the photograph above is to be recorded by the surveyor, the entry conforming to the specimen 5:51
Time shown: 3:29
